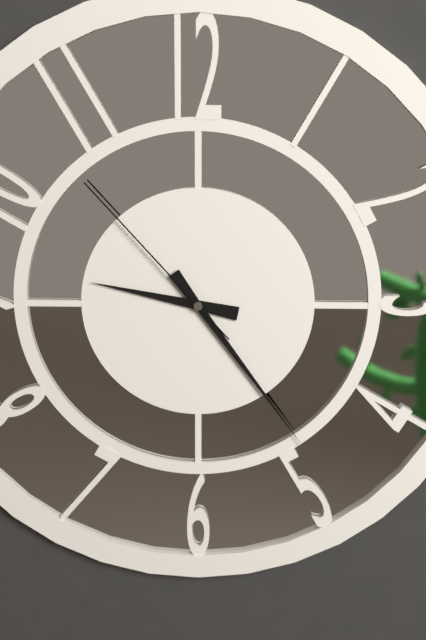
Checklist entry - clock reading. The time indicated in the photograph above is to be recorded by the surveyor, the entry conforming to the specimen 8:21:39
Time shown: 9:24:53
